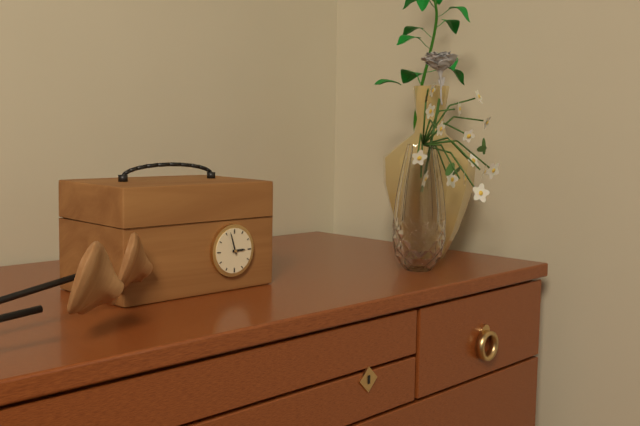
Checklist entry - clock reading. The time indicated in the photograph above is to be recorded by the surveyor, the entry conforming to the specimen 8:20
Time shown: 2:57
